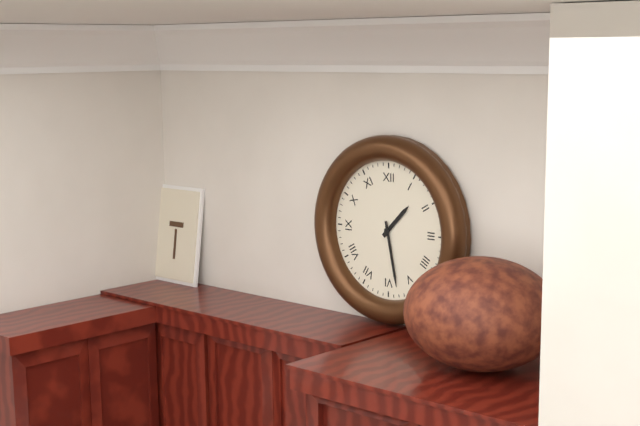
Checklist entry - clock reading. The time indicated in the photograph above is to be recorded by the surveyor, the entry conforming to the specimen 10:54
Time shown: 1:28
